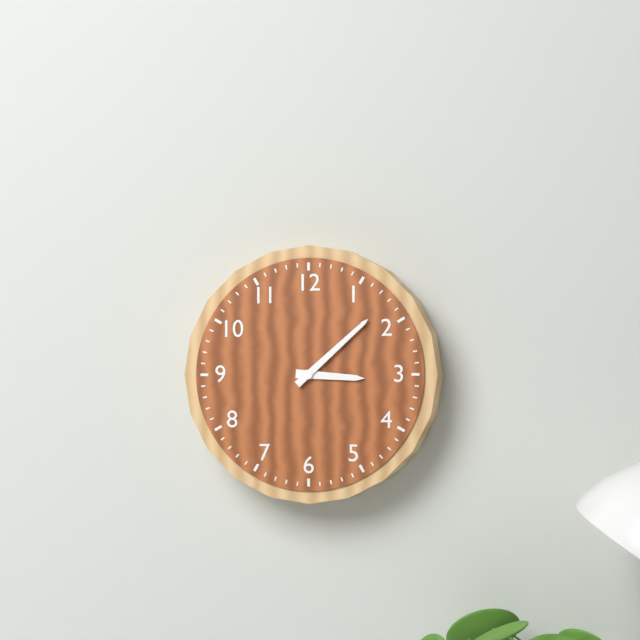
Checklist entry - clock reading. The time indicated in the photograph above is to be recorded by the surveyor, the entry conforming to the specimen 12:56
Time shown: 3:08
